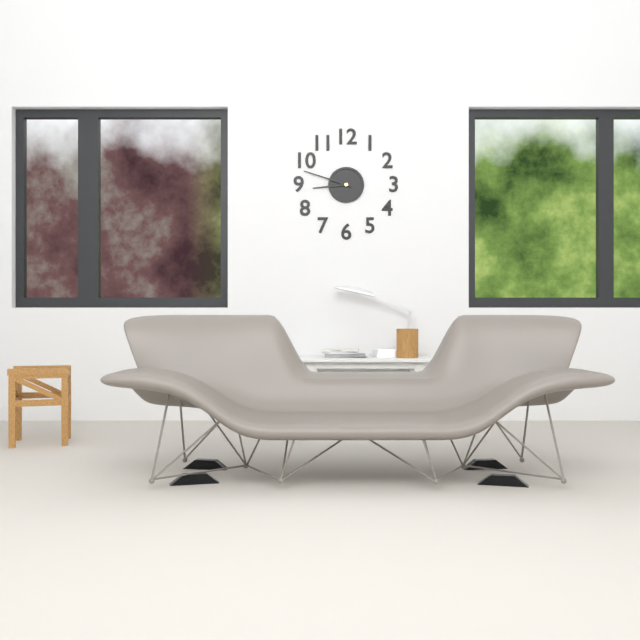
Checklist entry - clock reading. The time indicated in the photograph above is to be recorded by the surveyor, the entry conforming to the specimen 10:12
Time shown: 8:48
